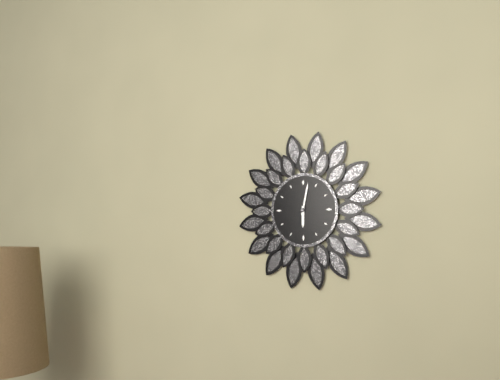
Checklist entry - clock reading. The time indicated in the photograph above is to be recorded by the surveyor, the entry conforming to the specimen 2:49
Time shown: 6:02
